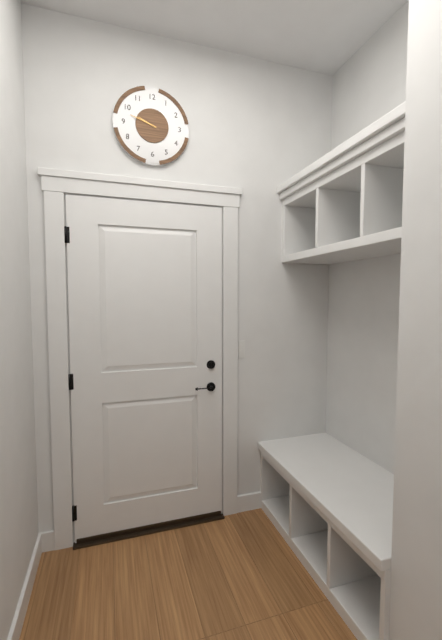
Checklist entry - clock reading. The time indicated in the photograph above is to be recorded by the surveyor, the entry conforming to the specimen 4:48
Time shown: 9:48
